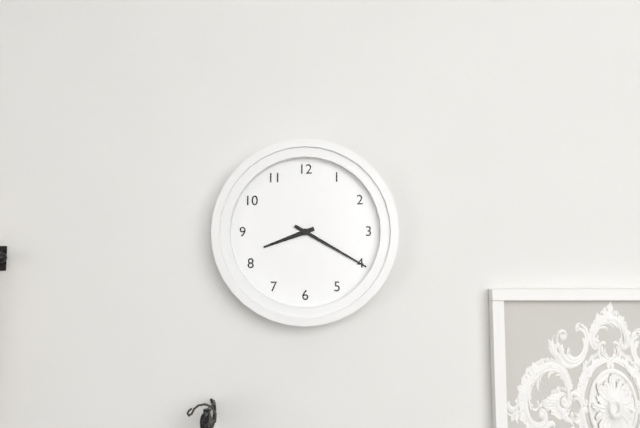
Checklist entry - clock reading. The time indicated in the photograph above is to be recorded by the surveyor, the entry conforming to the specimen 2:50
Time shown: 8:20
